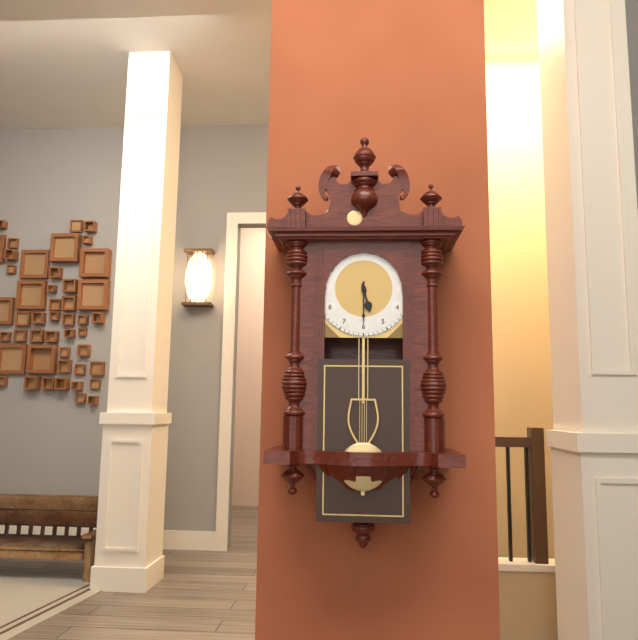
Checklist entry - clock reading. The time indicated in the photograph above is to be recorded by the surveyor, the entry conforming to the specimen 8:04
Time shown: 5:30
